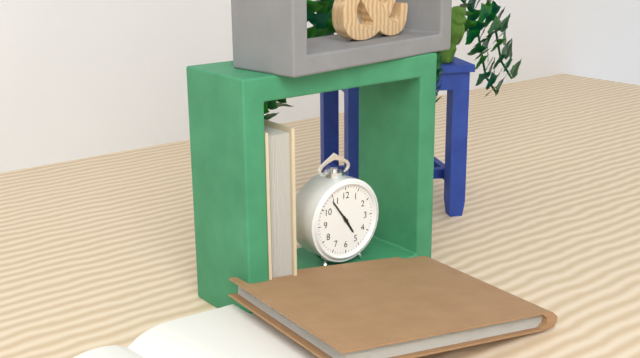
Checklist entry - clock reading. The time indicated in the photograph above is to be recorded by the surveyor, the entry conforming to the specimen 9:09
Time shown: 4:54
